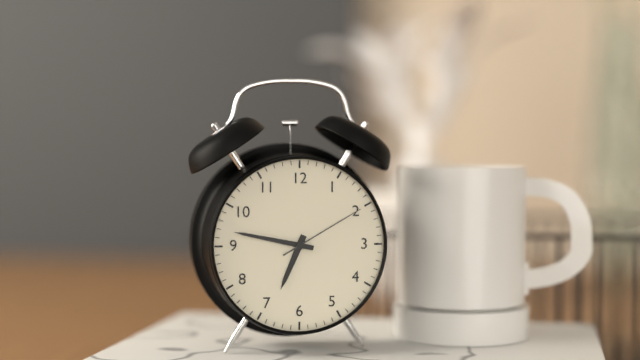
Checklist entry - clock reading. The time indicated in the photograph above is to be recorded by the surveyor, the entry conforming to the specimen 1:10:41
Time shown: 6:47:10
